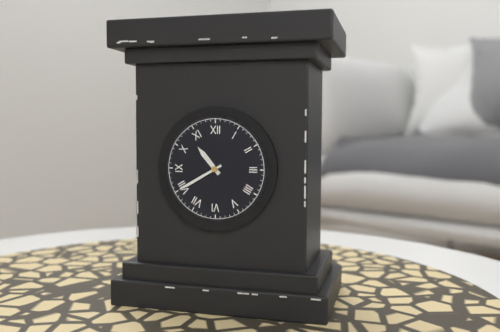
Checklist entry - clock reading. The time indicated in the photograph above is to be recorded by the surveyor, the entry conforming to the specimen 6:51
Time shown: 10:40
